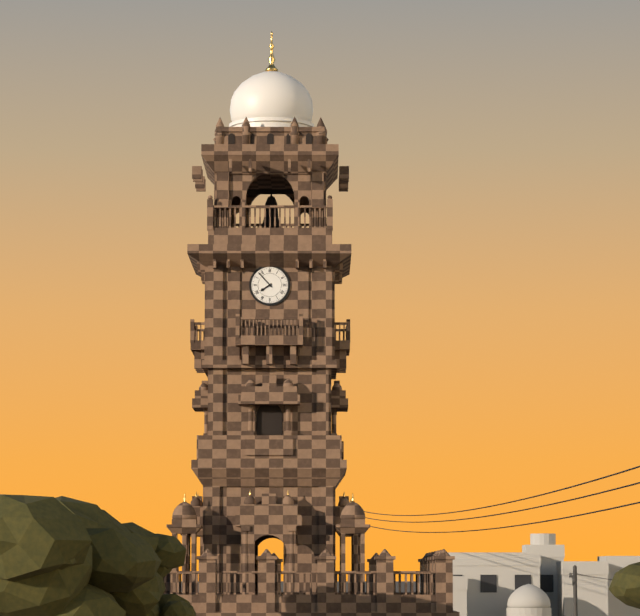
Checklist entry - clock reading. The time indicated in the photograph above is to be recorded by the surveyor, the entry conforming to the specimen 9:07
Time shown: 7:53
